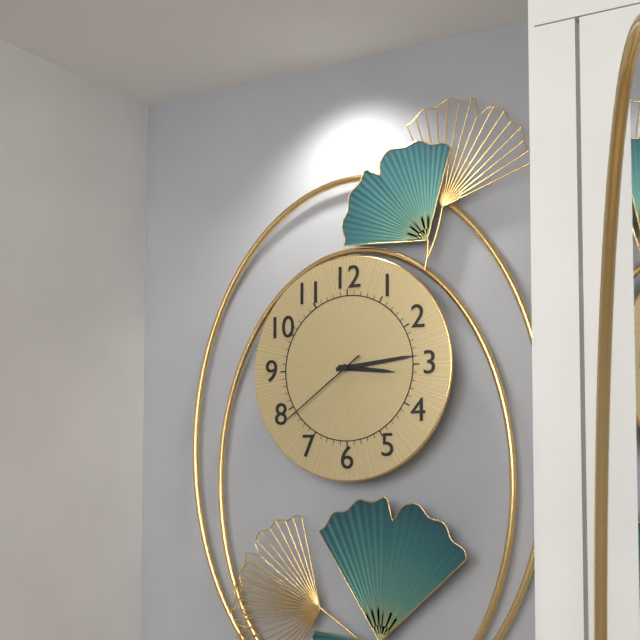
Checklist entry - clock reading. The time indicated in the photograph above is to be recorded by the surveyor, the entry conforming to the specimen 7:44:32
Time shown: 3:14:39
